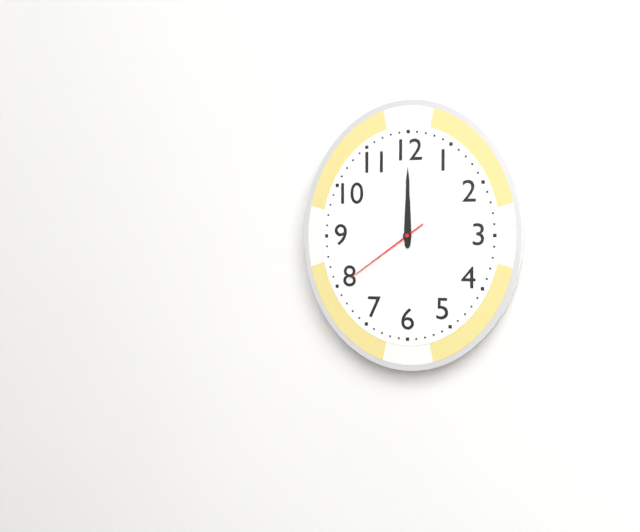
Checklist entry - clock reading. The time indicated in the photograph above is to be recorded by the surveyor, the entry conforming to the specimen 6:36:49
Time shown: 12:00:39
